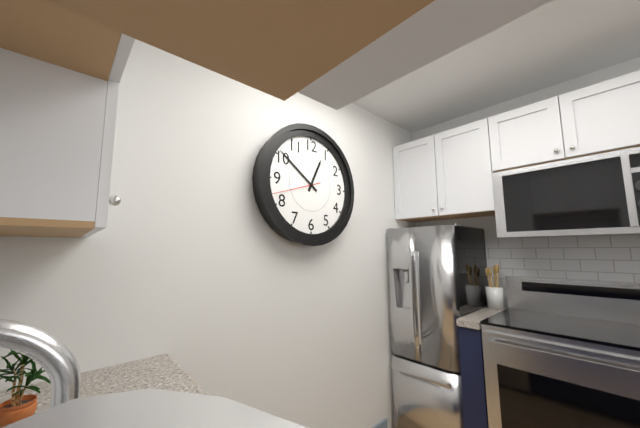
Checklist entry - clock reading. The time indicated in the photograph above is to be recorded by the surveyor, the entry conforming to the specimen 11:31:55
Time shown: 12:51:42
